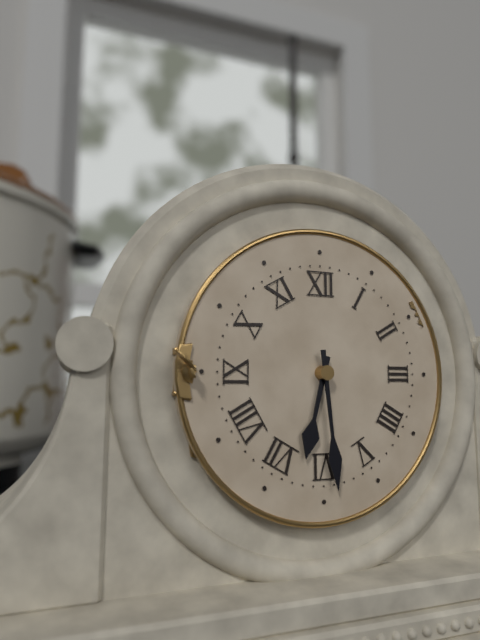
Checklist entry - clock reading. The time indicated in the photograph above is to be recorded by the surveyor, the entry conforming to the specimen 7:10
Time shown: 6:29
